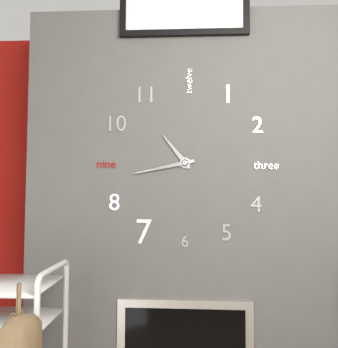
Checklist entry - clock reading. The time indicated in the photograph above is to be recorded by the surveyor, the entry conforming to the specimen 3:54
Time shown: 10:43
